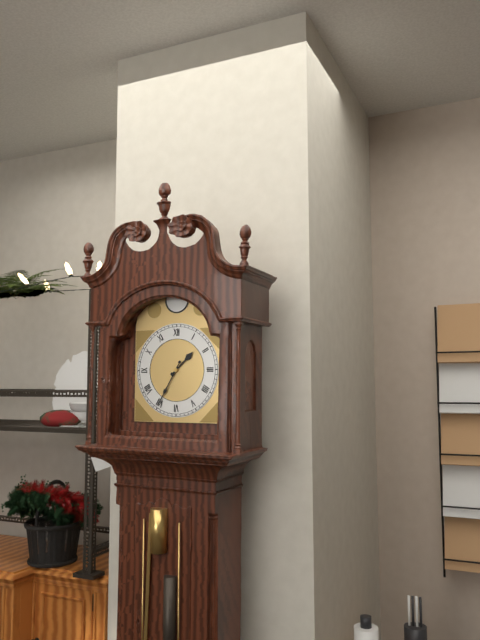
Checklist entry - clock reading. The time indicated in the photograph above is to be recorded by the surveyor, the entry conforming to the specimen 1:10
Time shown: 1:35
